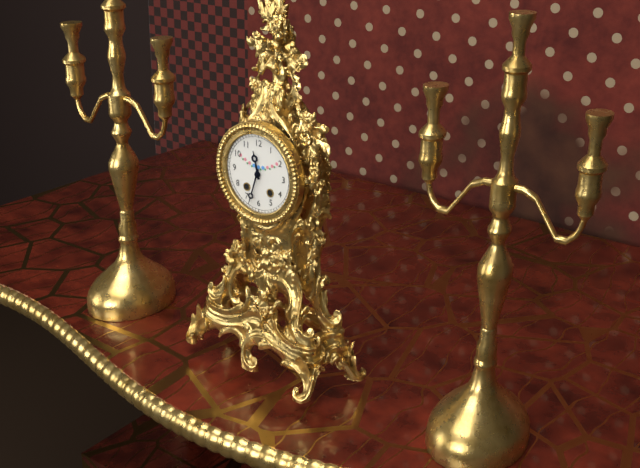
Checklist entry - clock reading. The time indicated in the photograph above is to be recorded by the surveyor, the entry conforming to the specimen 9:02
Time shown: 11:33
